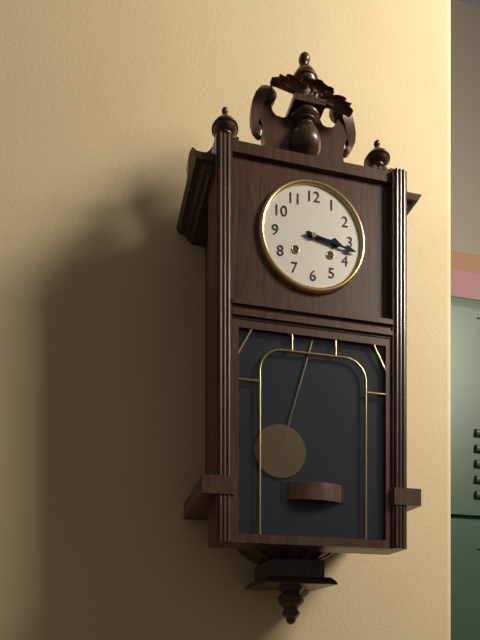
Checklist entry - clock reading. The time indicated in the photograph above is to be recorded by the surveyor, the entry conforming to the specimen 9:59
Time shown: 3:17
